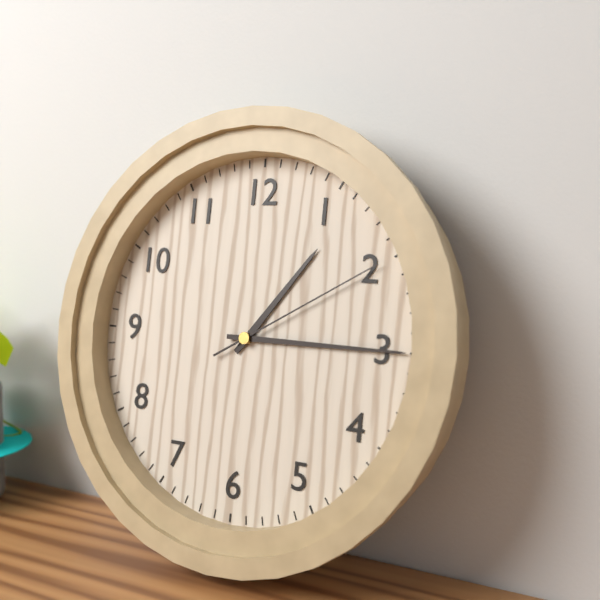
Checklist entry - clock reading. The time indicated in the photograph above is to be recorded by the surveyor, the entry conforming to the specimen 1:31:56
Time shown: 1:15:10
